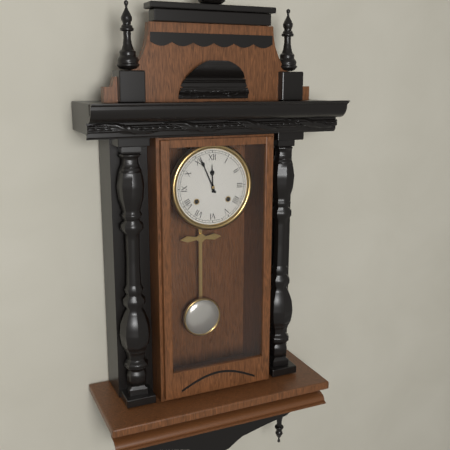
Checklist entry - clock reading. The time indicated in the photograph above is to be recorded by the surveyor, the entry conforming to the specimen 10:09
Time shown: 11:56
